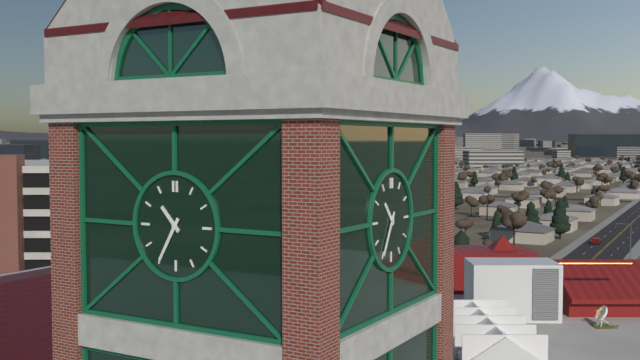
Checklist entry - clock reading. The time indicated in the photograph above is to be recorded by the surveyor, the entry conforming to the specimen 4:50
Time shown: 10:35
